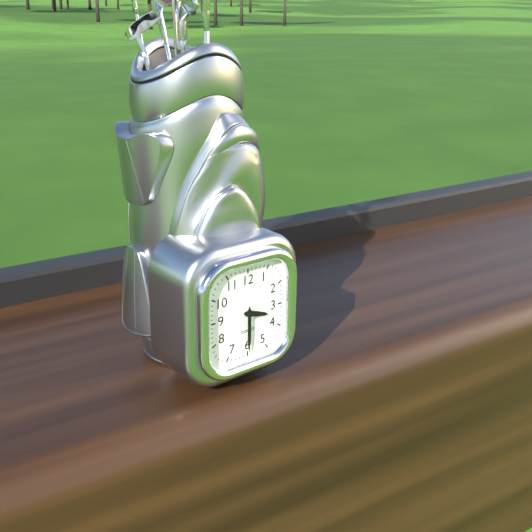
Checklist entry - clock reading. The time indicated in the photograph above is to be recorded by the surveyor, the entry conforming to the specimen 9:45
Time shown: 3:30
